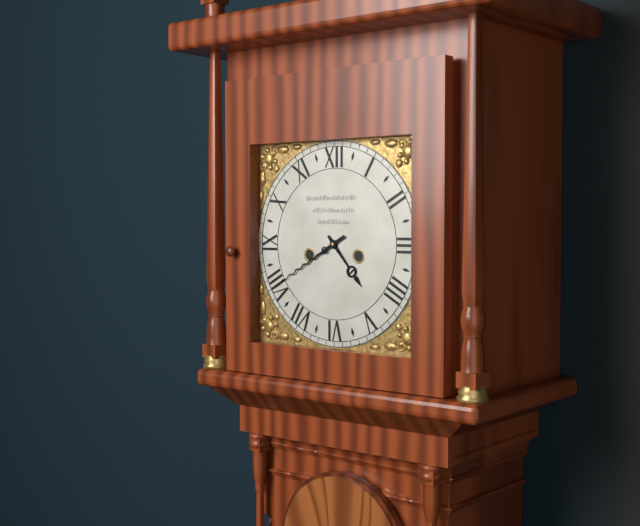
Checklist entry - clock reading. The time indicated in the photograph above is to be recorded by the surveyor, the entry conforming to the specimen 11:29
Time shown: 4:40
